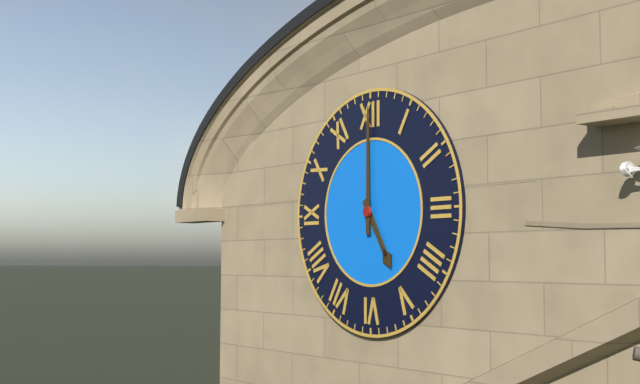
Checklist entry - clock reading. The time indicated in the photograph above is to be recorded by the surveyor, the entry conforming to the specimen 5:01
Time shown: 5:00
